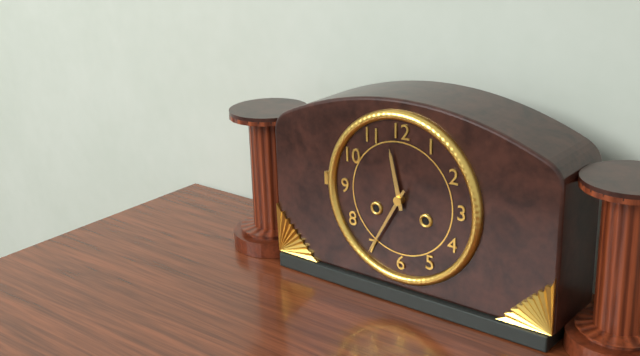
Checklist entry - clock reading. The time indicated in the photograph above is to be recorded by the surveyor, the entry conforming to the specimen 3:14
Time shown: 11:35
